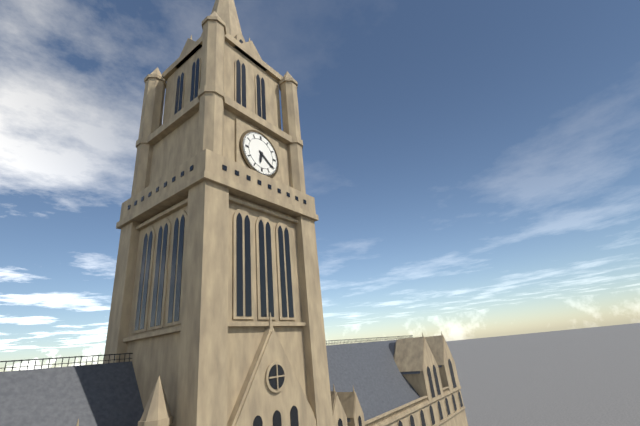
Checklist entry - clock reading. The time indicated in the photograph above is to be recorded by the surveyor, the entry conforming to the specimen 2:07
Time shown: 6:21
